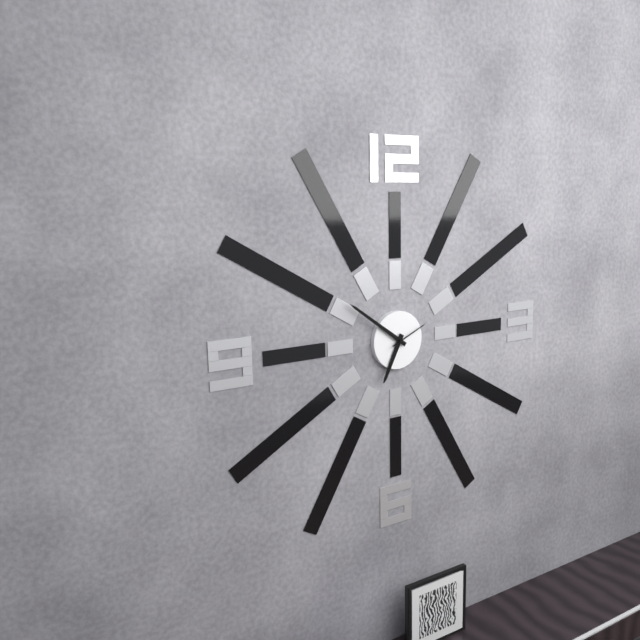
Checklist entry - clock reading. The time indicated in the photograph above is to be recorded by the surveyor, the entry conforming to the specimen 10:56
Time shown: 6:51
